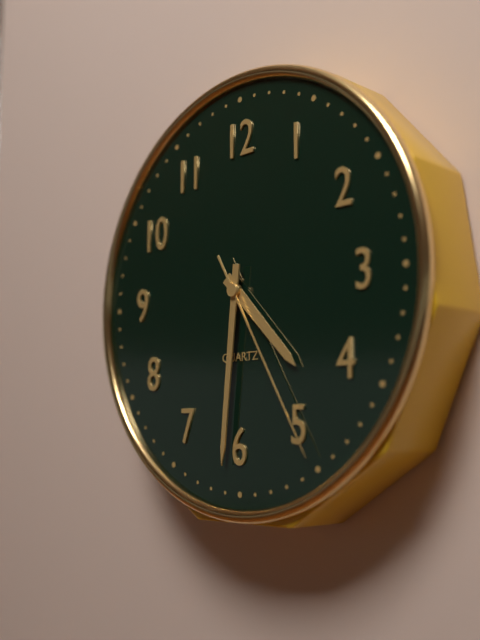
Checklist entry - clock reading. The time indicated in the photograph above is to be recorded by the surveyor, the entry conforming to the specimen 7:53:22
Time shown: 4:31:25
